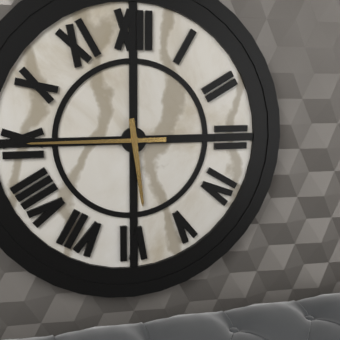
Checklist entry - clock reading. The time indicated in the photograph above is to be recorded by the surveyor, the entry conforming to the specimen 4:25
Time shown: 5:45
